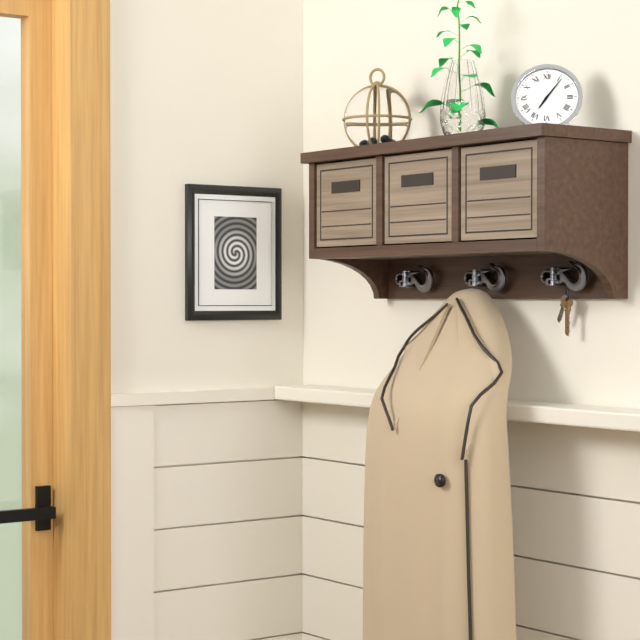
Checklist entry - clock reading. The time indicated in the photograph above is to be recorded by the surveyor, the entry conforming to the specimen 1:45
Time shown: 7:06
